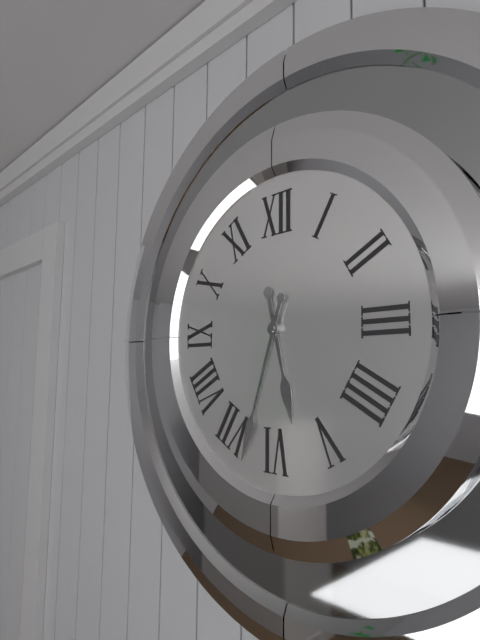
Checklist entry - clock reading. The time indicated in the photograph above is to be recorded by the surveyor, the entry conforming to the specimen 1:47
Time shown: 5:33
